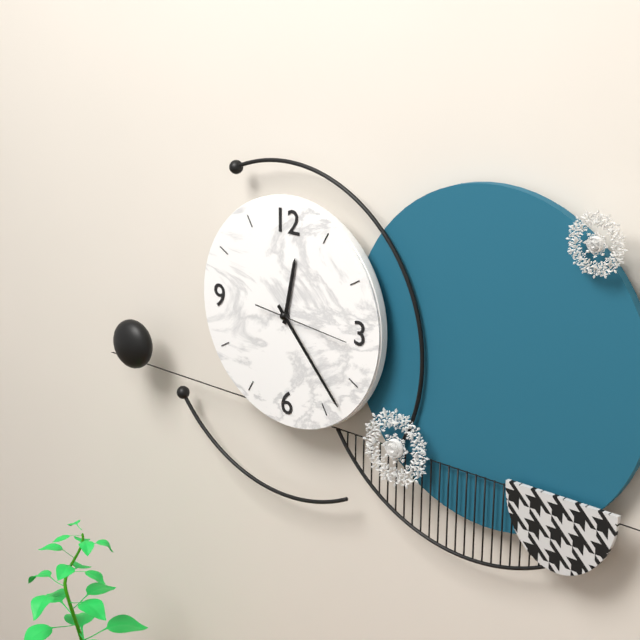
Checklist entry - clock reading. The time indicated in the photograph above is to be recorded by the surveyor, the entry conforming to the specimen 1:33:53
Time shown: 12:23:16
